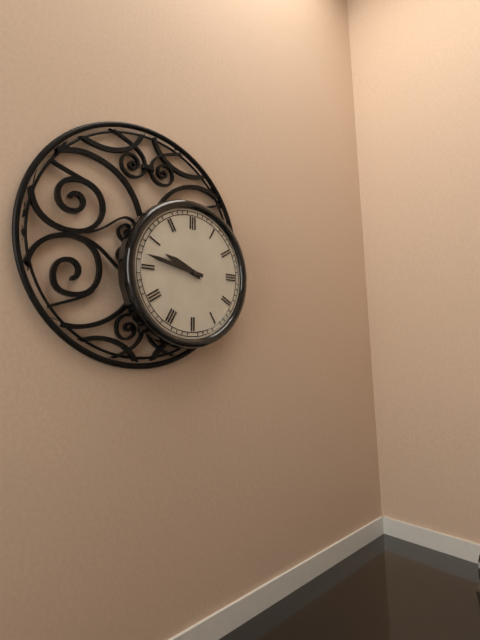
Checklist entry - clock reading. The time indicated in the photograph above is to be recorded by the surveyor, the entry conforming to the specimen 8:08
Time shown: 9:47
